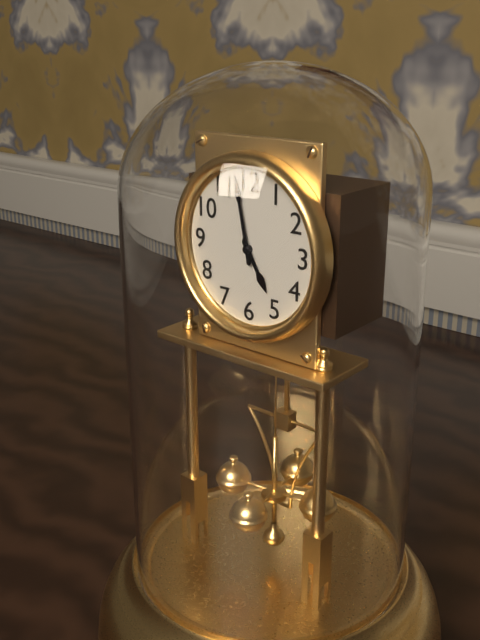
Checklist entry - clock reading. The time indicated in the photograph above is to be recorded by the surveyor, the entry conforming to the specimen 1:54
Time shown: 4:58
